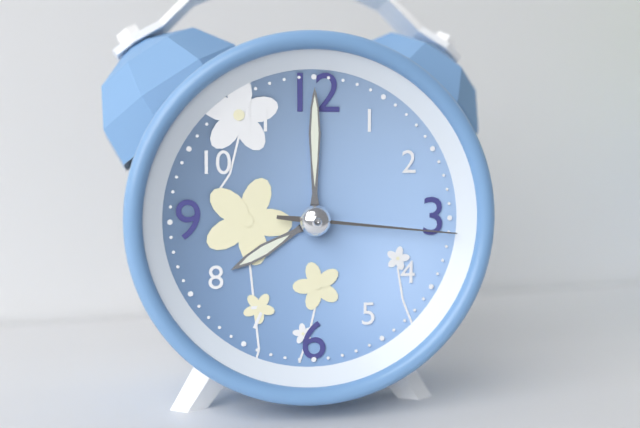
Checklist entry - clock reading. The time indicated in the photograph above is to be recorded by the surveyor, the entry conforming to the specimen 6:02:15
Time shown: 8:00:16
